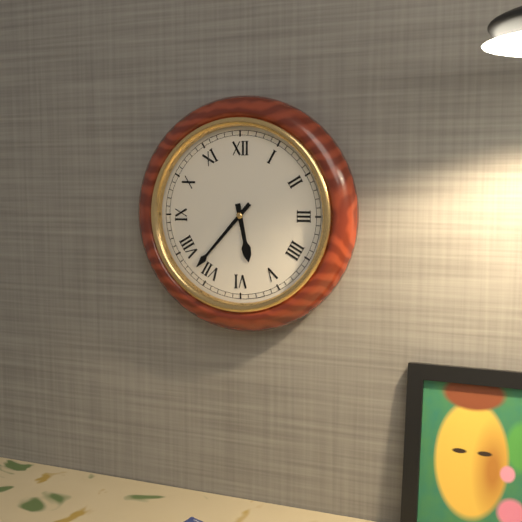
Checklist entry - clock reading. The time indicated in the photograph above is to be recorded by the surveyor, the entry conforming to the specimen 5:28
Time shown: 5:37
